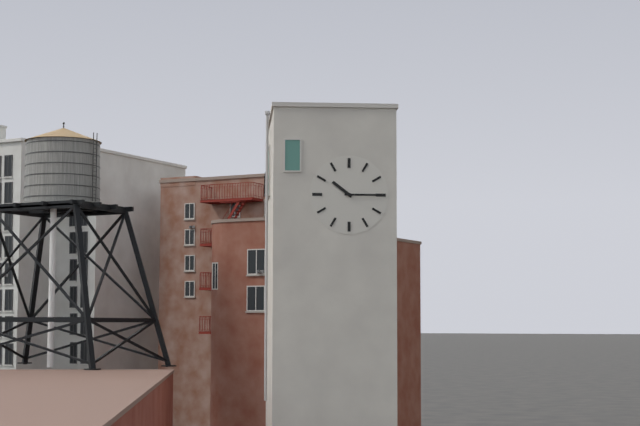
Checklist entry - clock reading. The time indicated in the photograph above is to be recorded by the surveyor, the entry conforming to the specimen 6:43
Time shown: 10:15
